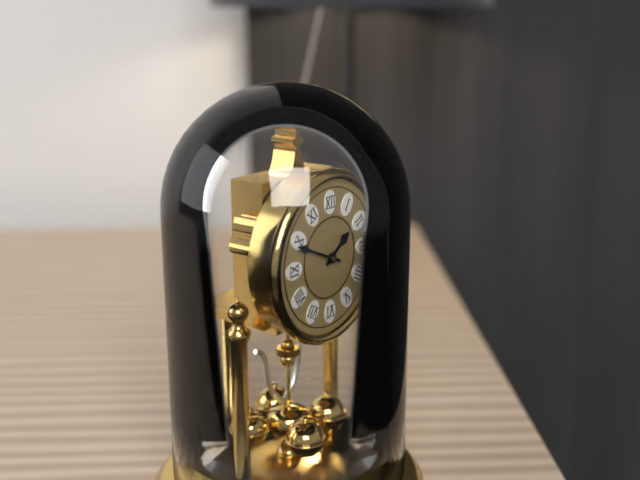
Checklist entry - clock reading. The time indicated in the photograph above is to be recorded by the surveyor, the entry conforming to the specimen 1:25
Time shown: 1:49
